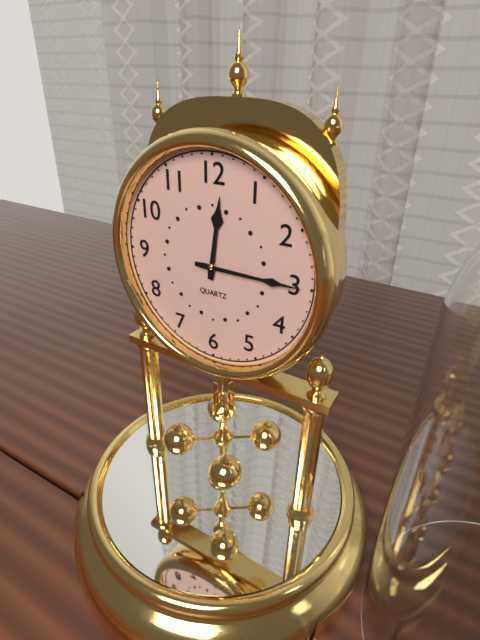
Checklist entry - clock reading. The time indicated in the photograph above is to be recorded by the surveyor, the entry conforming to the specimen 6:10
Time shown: 12:15
